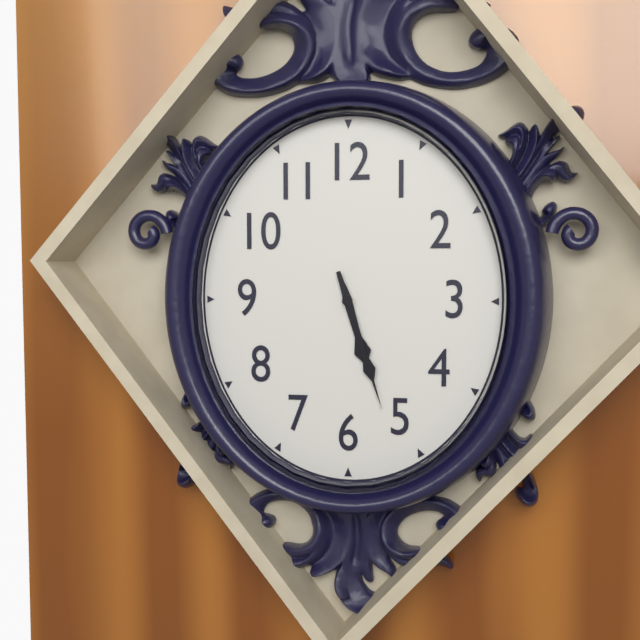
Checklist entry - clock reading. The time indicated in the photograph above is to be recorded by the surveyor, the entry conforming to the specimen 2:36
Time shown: 5:27
